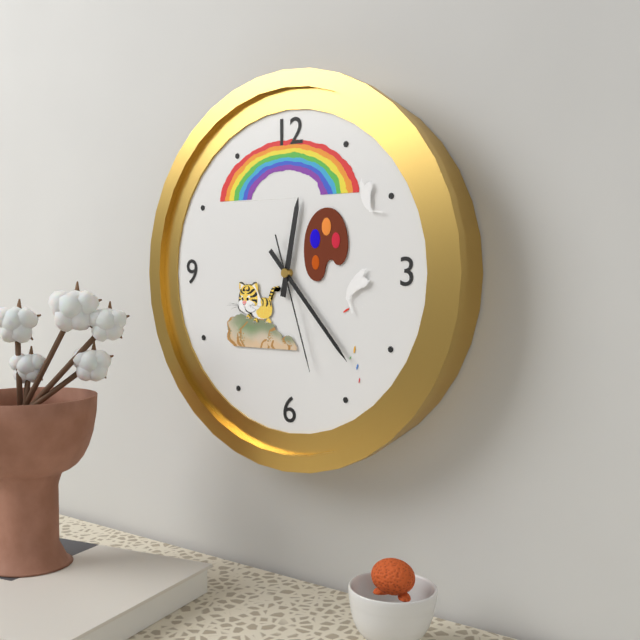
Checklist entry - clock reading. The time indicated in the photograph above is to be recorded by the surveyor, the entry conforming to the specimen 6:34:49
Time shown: 12:23:27
